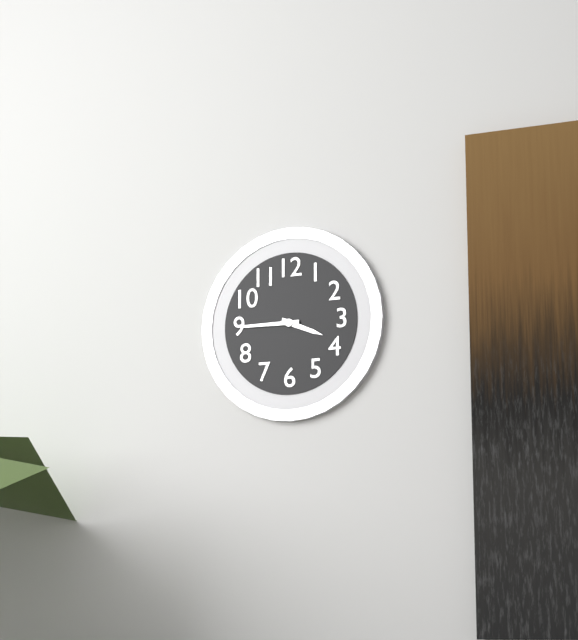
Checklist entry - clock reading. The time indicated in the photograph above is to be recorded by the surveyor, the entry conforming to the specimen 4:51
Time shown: 3:45
